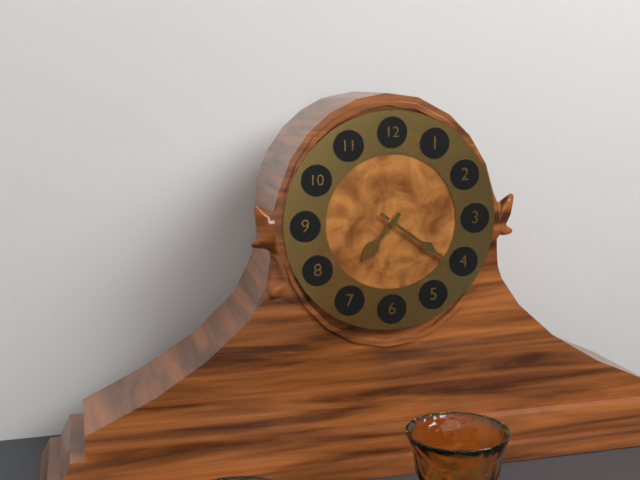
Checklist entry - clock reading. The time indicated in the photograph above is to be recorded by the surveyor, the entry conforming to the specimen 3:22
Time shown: 7:21
